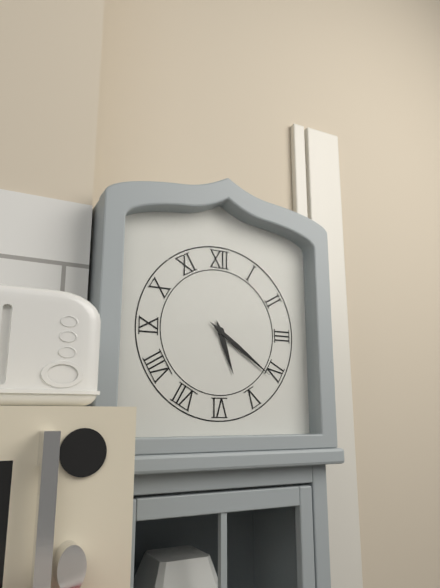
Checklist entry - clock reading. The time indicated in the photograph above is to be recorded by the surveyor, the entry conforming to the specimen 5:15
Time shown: 5:21
